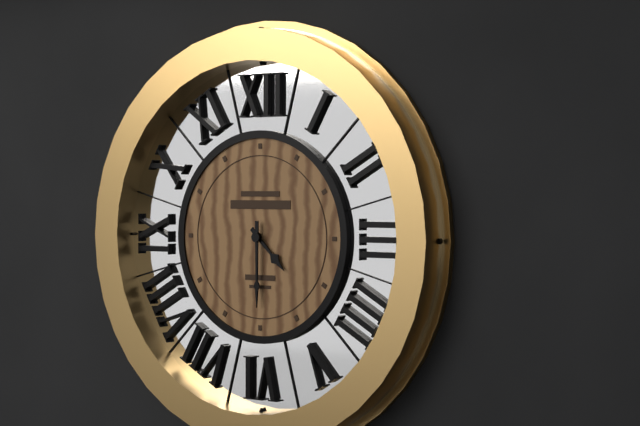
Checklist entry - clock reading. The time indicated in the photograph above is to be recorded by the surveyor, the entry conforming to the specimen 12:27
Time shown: 4:30
